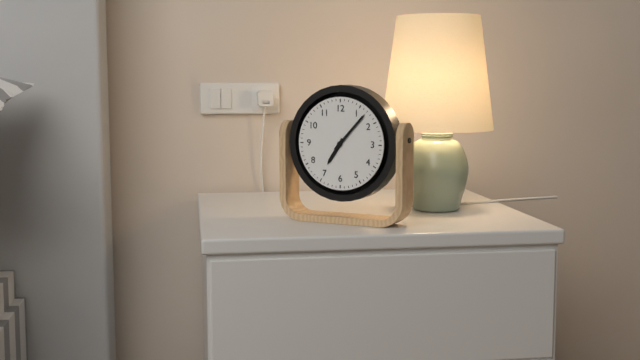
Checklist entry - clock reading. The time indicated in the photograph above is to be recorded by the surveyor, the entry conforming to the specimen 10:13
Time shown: 7:07
